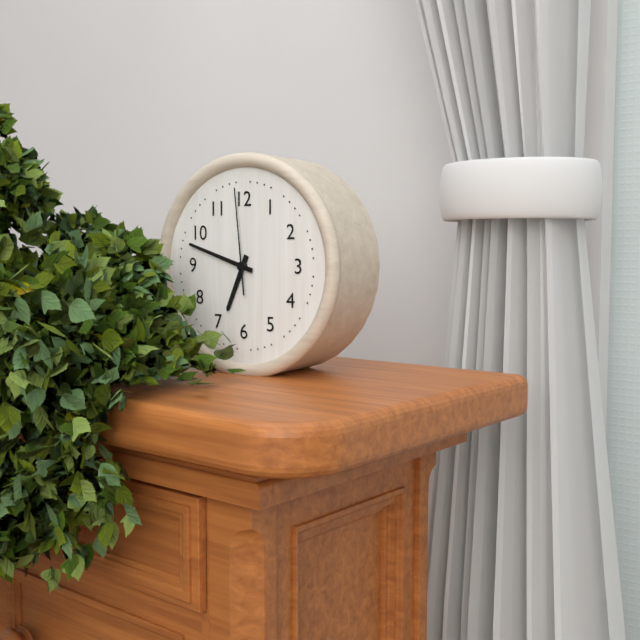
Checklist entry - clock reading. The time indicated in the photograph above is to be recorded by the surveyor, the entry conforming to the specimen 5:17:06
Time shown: 6:48:59
